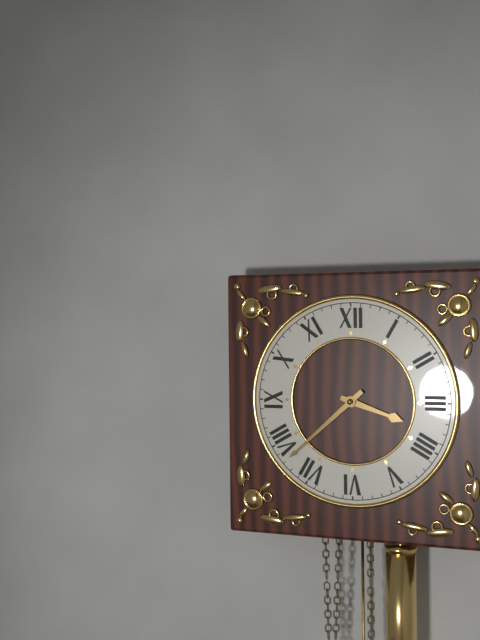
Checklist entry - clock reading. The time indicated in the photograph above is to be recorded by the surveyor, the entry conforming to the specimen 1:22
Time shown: 3:38
